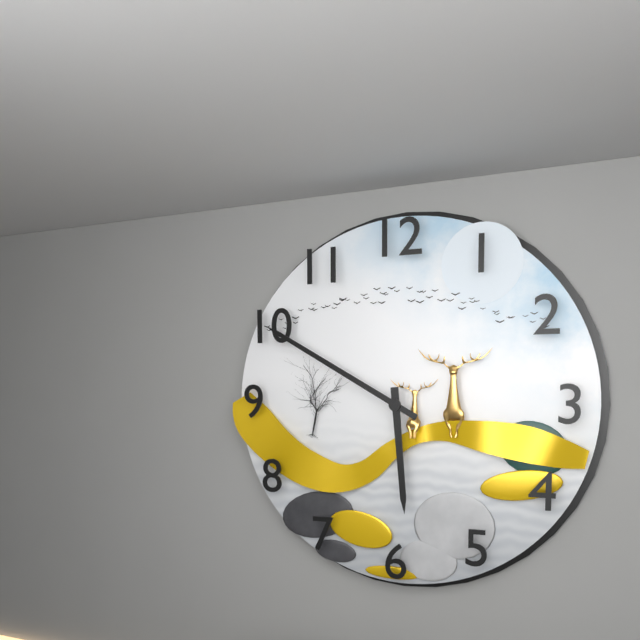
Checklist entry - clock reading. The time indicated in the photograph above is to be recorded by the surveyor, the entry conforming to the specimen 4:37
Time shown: 5:50
